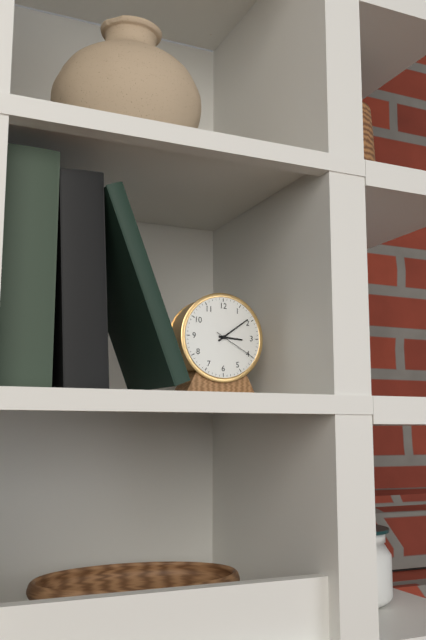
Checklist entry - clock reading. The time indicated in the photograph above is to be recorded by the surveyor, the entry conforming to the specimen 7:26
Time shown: 3:09
